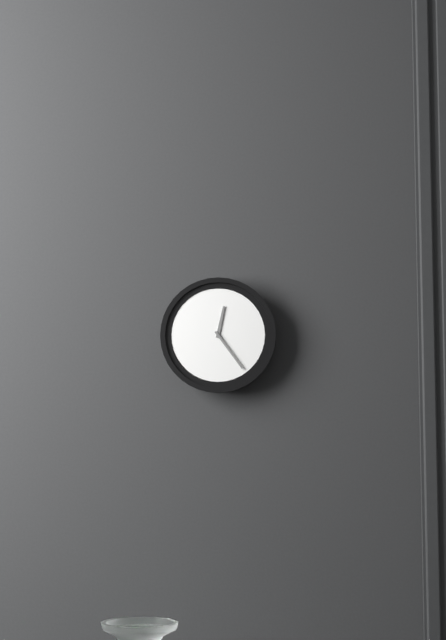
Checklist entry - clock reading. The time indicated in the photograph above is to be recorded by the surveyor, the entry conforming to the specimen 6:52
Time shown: 12:24
